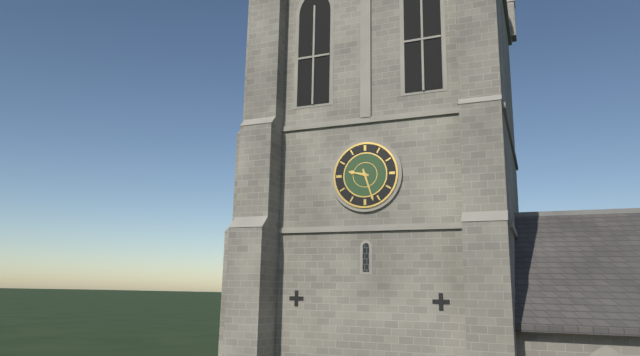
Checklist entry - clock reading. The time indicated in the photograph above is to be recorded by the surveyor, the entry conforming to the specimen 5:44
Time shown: 9:27
